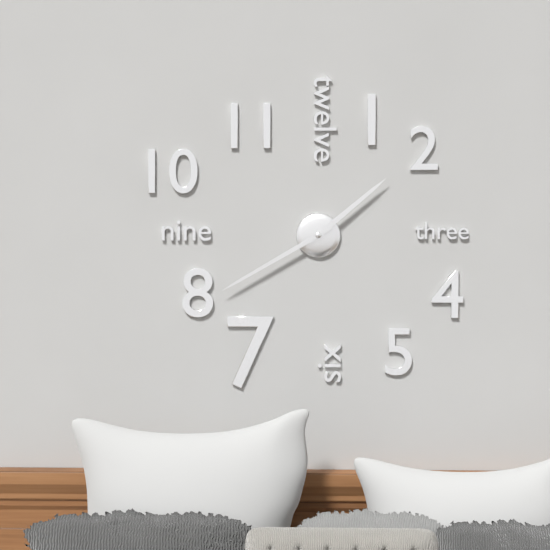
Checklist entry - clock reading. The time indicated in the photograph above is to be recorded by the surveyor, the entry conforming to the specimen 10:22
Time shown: 1:40
